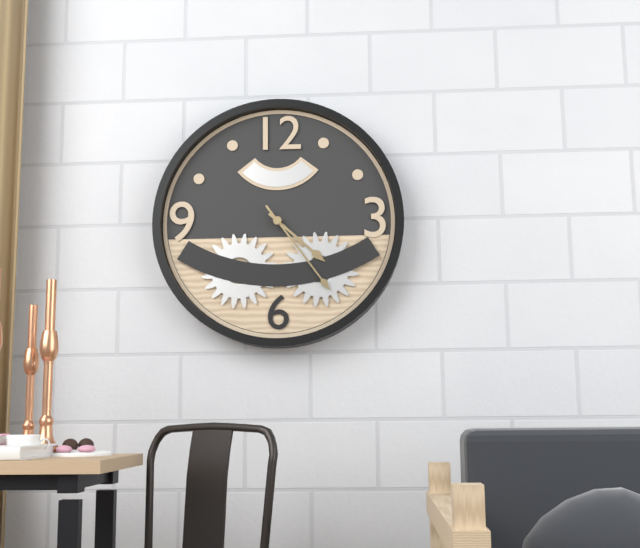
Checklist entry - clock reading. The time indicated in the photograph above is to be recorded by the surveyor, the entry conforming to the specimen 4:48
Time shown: 4:24
